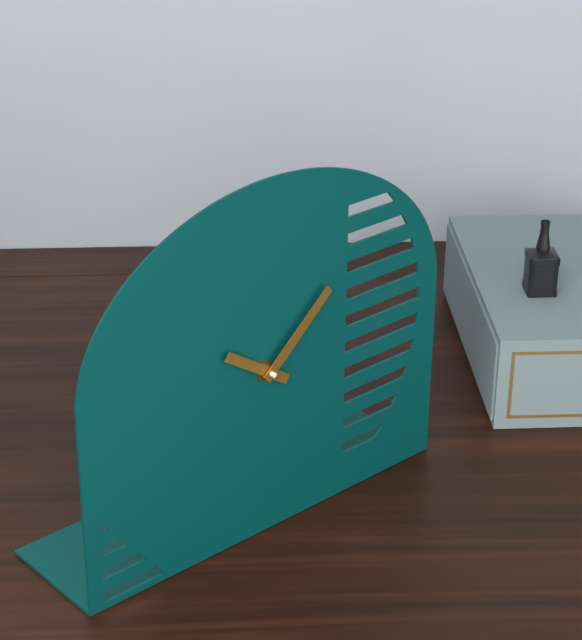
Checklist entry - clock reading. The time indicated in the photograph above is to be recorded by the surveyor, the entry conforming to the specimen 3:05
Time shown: 10:08
